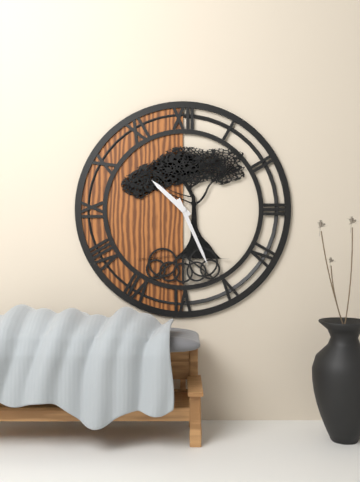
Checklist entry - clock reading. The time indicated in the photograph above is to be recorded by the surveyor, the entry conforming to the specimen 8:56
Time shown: 10:26
